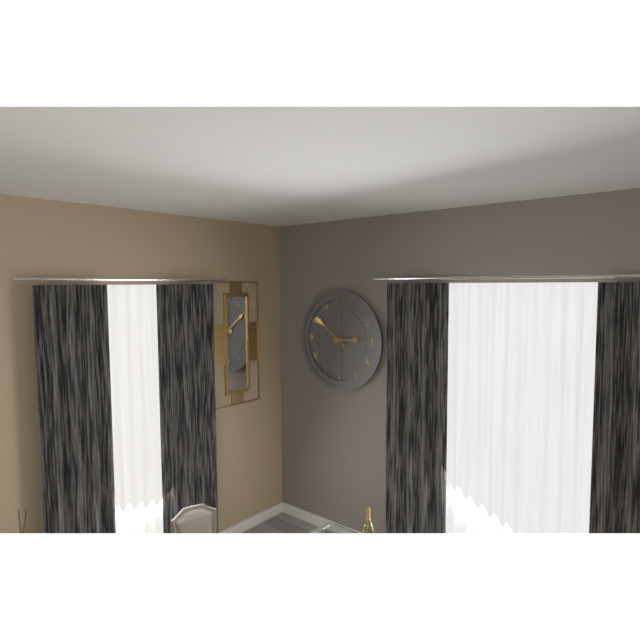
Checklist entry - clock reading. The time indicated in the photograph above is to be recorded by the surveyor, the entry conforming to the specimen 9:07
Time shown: 2:51
